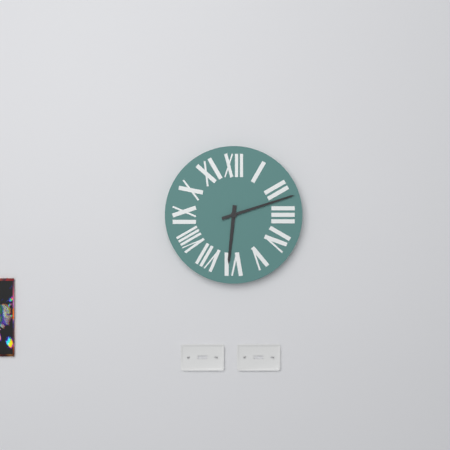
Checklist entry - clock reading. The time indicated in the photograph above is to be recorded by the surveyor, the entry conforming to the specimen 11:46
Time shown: 6:12
